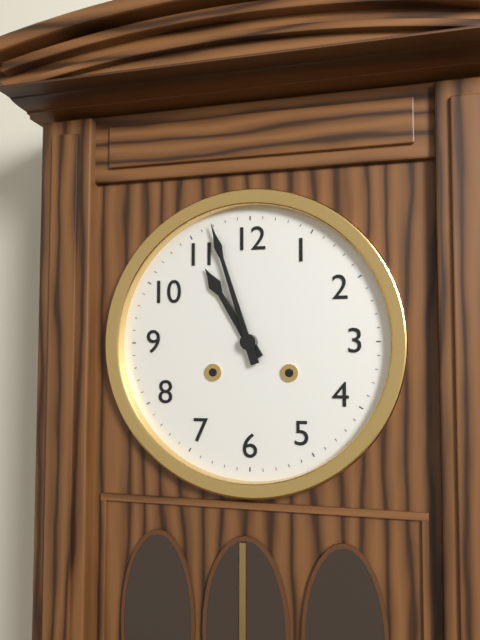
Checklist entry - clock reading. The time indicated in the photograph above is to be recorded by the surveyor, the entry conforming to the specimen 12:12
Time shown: 10:57
